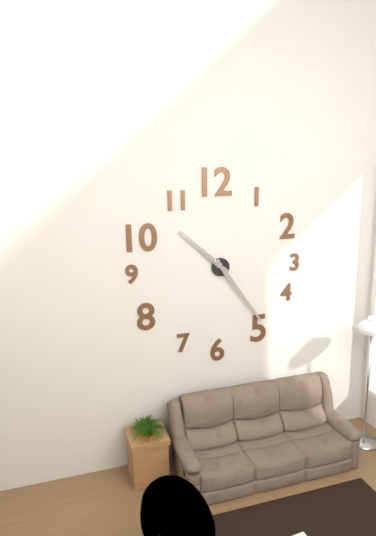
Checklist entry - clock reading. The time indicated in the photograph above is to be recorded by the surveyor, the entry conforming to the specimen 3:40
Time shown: 10:24
